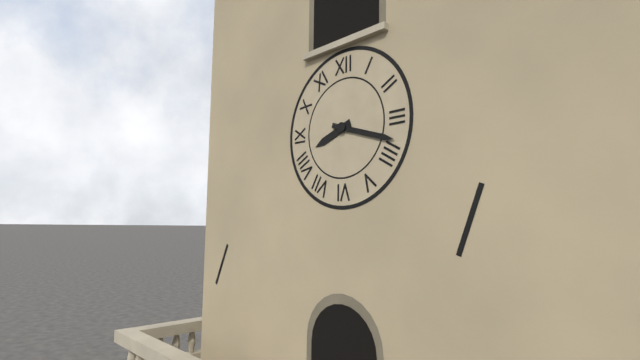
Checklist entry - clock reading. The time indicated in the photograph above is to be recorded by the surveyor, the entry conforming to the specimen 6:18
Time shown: 8:18
